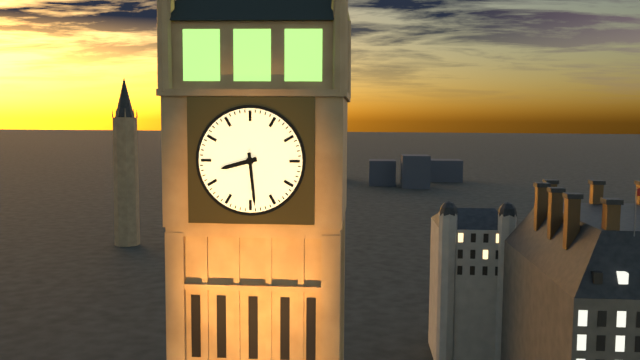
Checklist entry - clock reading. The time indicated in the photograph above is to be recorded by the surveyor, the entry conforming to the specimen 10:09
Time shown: 8:29
